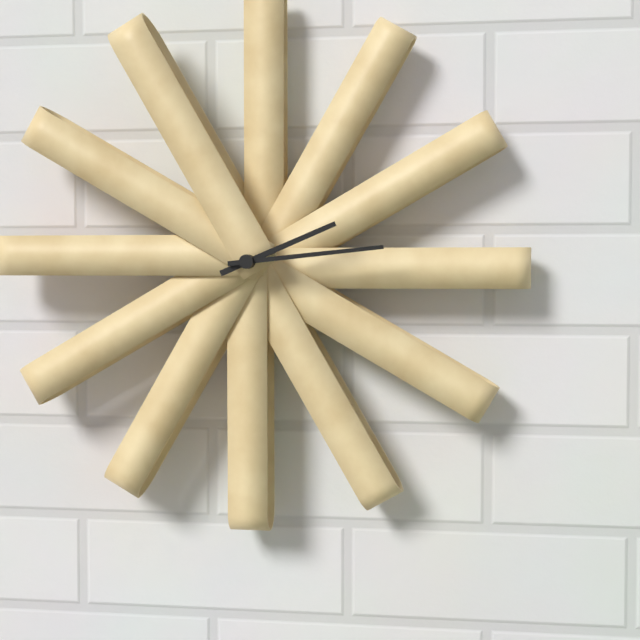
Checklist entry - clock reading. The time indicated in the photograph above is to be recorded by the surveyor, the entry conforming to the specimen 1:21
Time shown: 2:14
